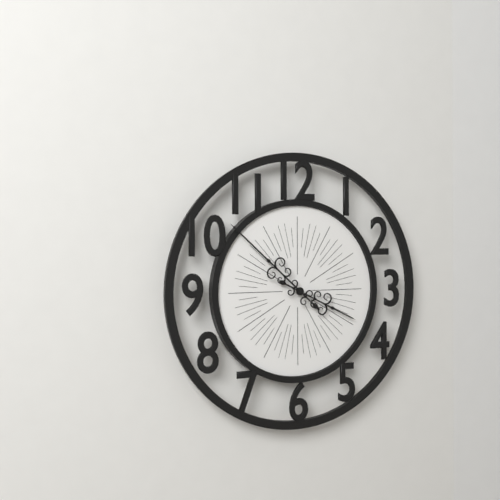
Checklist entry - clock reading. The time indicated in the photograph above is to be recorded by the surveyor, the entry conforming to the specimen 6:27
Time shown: 3:52
